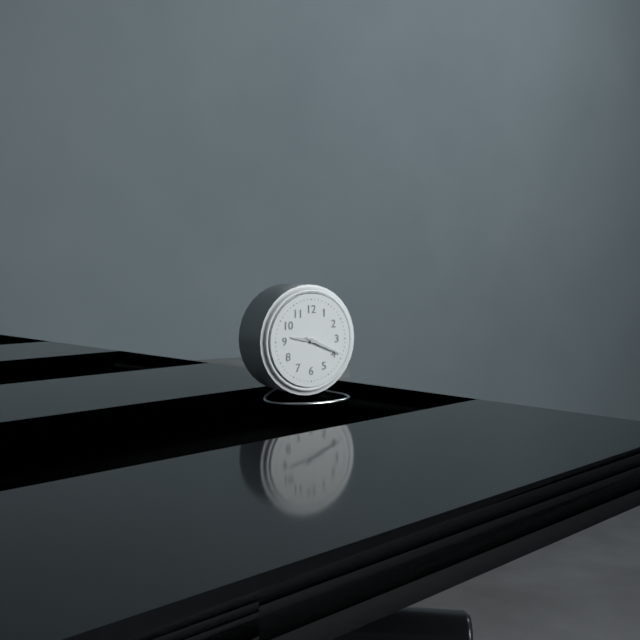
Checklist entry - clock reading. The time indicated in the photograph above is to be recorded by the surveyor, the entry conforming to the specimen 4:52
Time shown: 9:19
